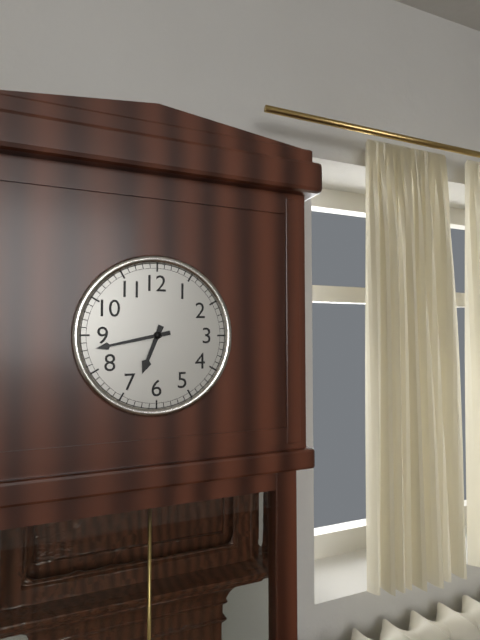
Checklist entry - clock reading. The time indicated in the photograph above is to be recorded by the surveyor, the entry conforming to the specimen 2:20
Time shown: 6:43
